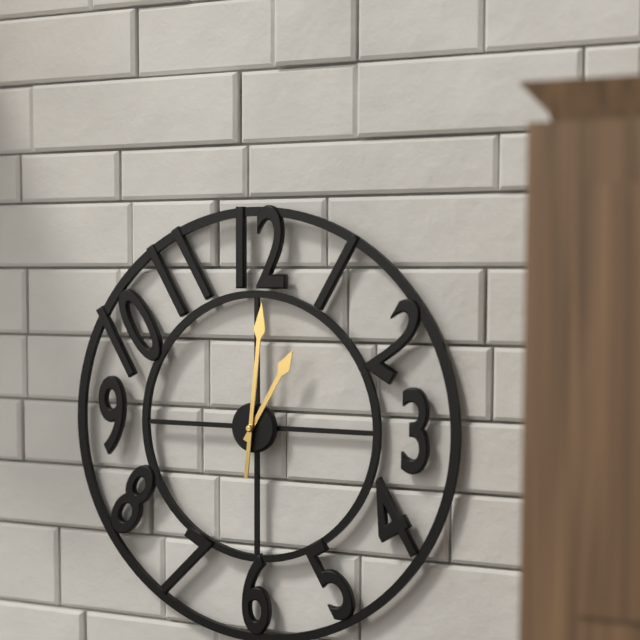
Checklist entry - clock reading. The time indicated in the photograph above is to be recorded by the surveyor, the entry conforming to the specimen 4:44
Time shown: 1:01
